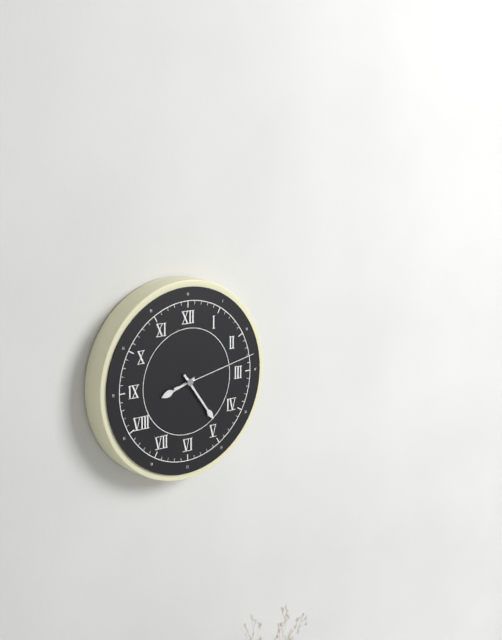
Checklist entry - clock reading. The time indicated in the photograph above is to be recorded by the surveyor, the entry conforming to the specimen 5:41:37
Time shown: 8:24:13
